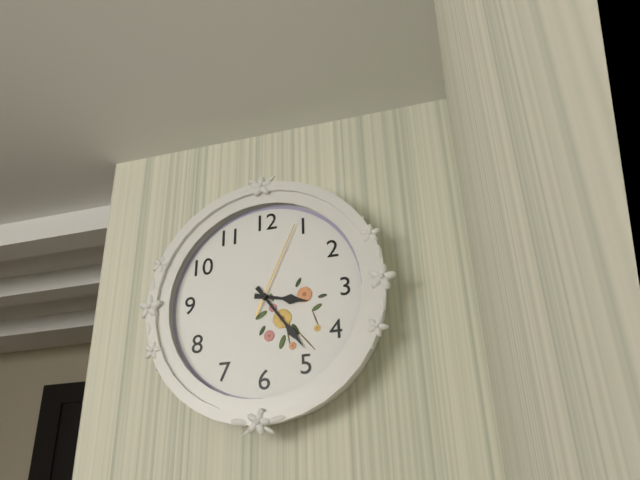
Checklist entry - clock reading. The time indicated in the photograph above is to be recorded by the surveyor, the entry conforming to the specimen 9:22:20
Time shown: 3:24:04
